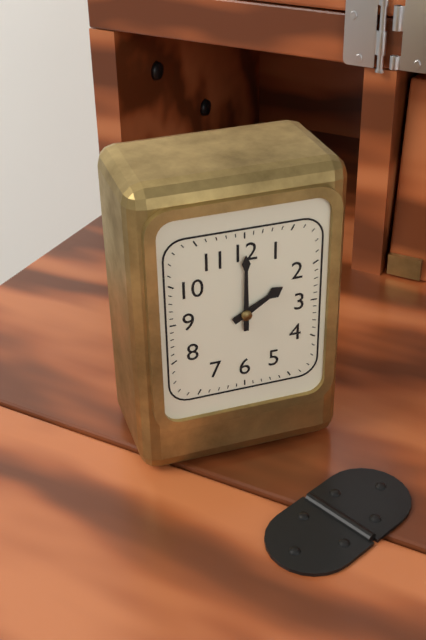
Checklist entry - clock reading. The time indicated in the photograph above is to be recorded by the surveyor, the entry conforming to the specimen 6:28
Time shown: 2:00
